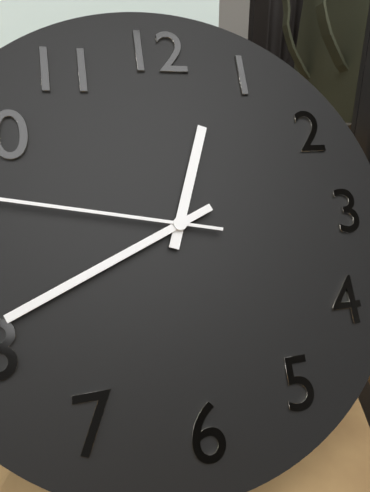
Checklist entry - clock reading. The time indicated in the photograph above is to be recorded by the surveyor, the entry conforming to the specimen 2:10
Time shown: 12:41
